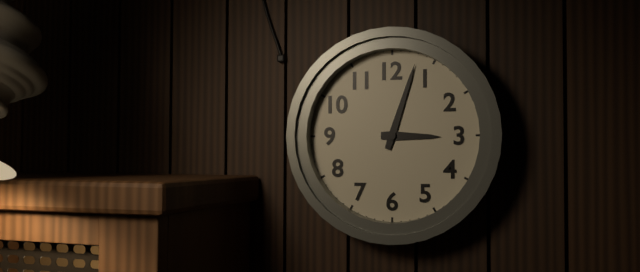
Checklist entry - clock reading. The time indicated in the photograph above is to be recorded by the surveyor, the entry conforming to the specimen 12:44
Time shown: 3:03
